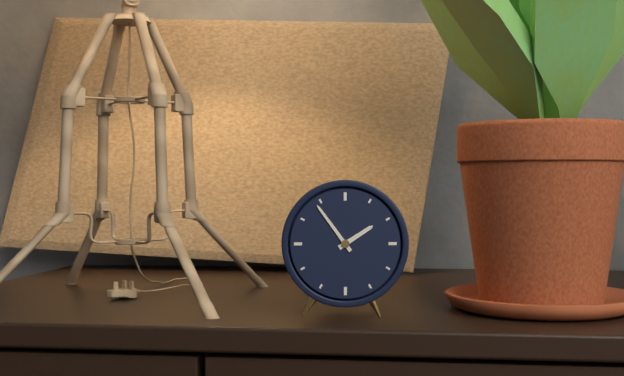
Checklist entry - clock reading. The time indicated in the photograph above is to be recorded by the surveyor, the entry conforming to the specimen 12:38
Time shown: 1:54
